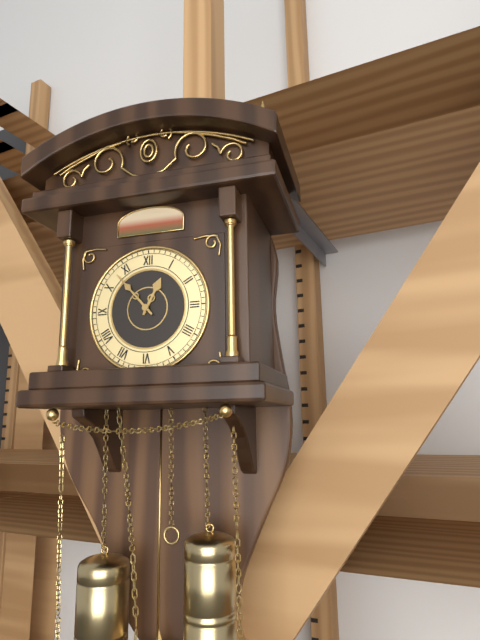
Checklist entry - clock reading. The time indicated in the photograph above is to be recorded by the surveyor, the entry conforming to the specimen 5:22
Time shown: 12:53
